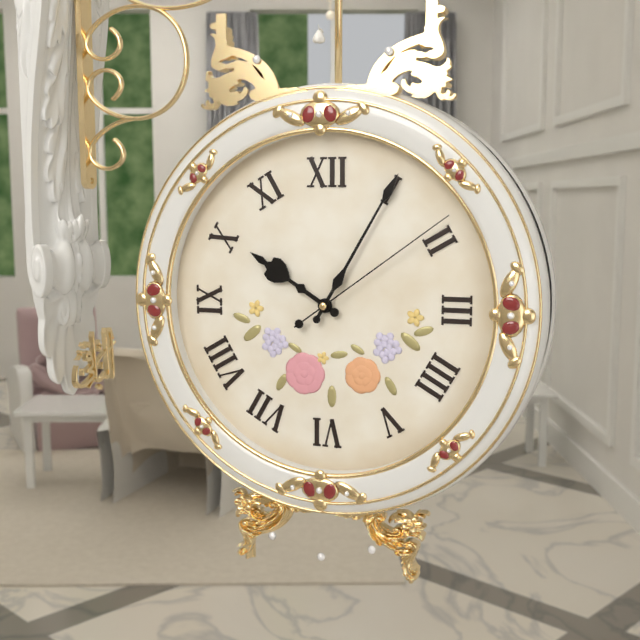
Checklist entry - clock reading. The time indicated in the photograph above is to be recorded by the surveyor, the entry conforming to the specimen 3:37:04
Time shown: 10:05:09
